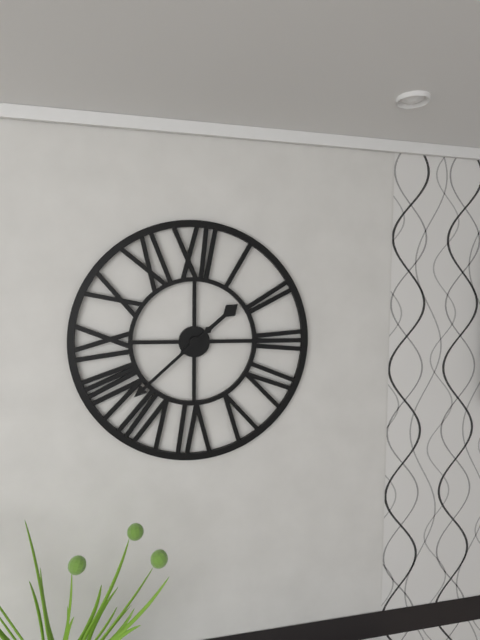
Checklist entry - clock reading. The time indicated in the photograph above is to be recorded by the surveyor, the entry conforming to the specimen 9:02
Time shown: 1:38
